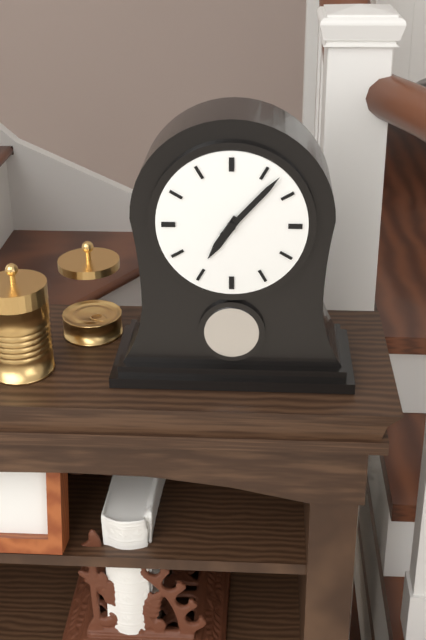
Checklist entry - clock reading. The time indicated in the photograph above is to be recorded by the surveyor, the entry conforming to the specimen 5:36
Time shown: 7:07
